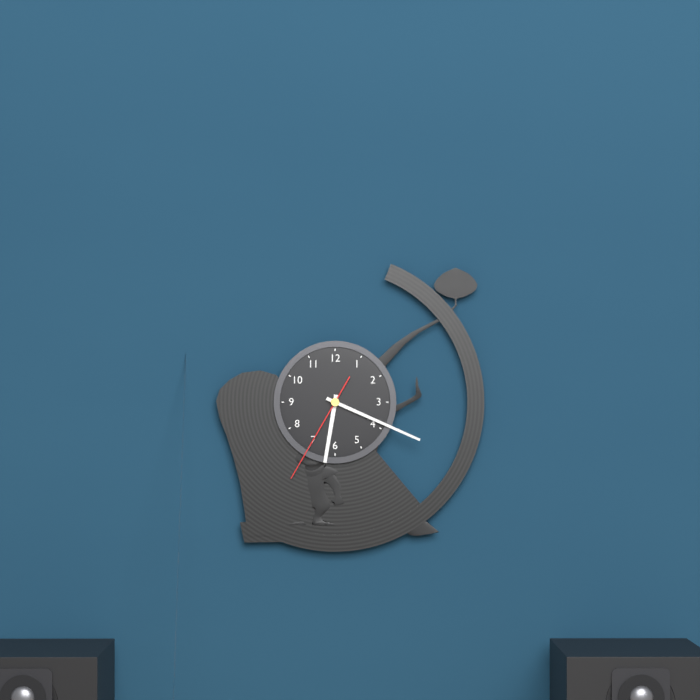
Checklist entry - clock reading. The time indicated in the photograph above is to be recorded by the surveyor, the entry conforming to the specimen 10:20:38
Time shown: 6:19:35
